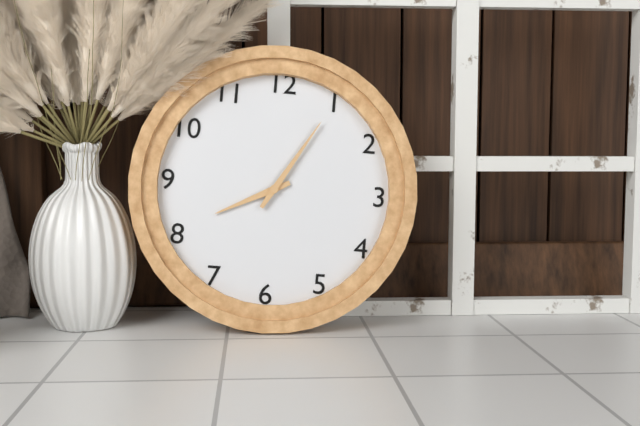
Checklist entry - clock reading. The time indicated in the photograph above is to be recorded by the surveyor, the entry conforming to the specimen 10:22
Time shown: 8:05
